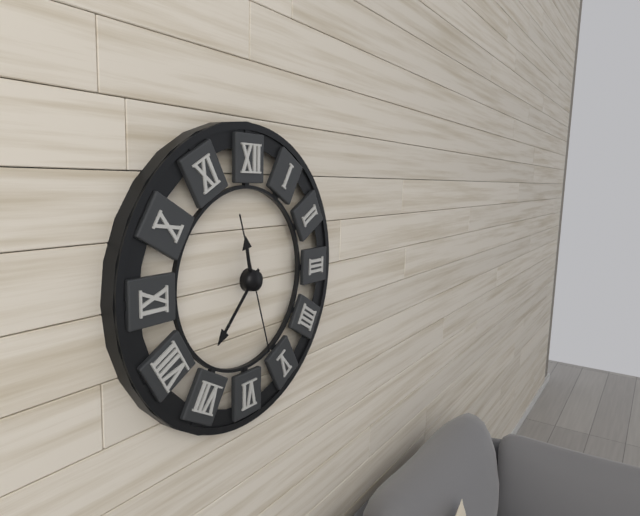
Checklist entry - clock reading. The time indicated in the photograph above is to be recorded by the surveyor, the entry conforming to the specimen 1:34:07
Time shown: 11:37:27
